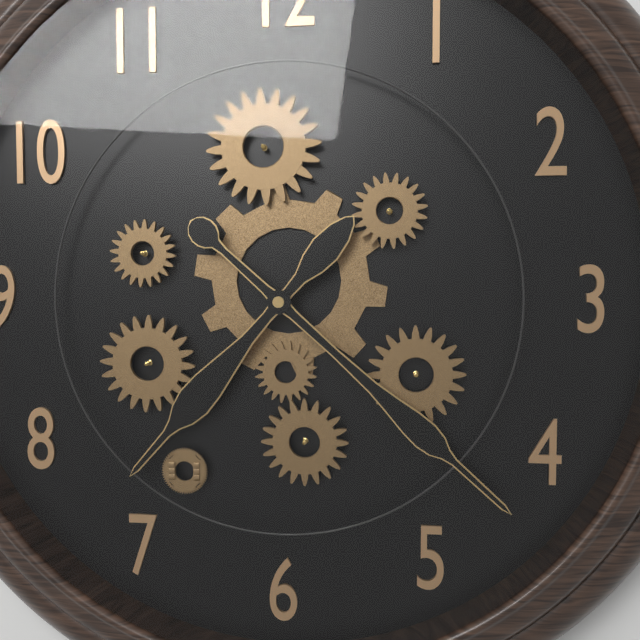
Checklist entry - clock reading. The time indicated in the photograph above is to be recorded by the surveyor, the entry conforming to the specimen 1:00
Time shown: 7:22
